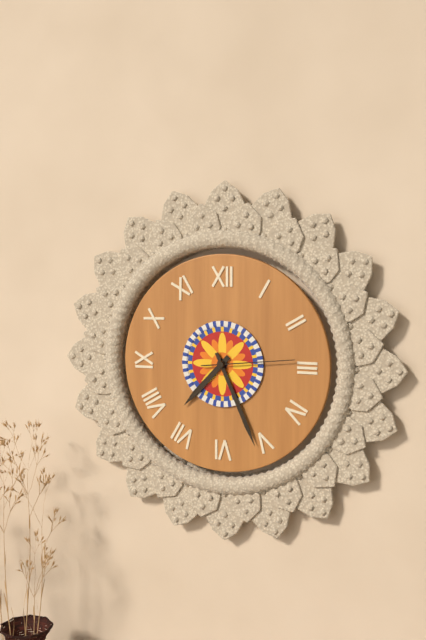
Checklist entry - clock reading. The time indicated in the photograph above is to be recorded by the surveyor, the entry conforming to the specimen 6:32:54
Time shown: 7:26:14
